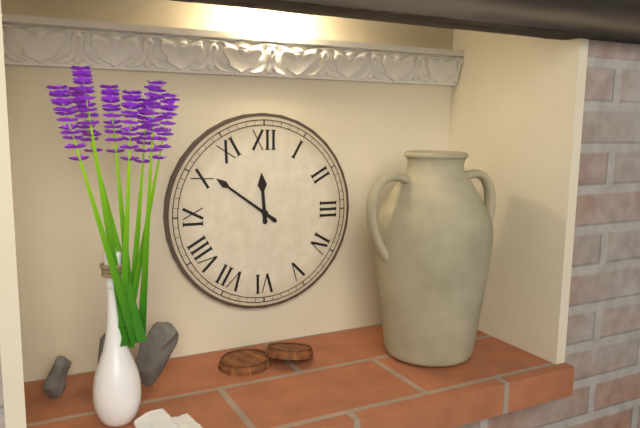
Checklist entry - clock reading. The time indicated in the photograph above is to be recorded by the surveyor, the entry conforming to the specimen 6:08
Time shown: 11:51
